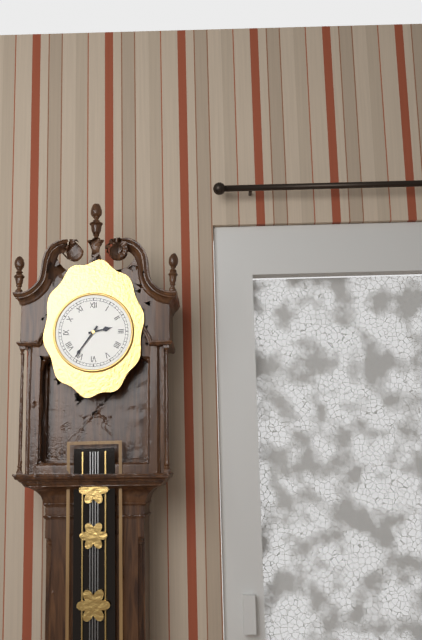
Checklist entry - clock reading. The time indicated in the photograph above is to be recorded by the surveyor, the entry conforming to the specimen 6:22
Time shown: 2:36
